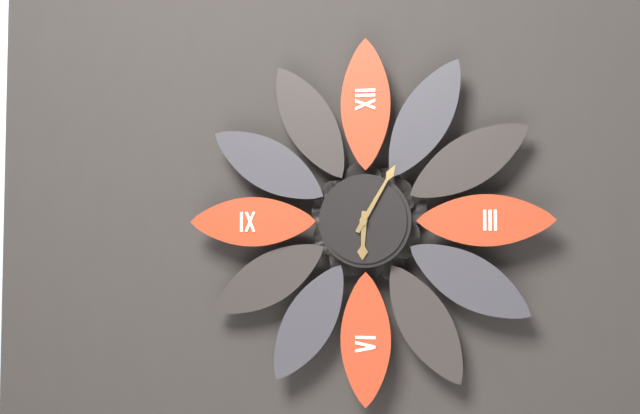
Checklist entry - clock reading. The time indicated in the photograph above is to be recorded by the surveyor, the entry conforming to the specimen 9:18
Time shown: 6:05
